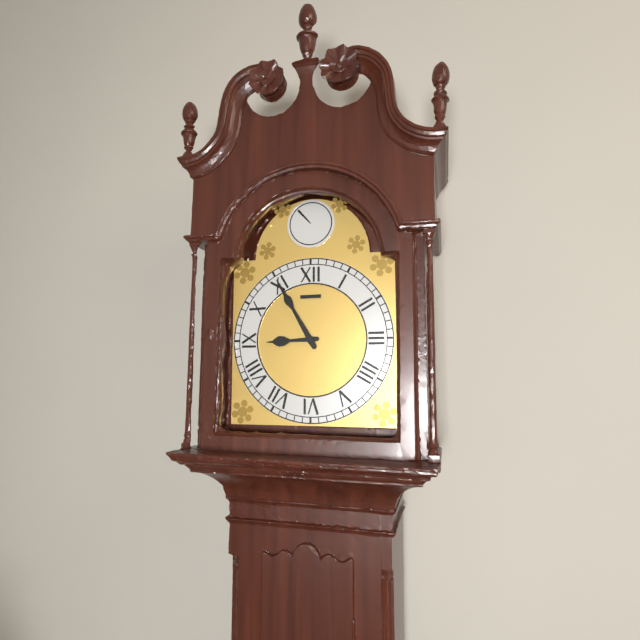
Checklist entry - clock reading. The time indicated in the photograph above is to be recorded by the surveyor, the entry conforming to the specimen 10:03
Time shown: 8:55
